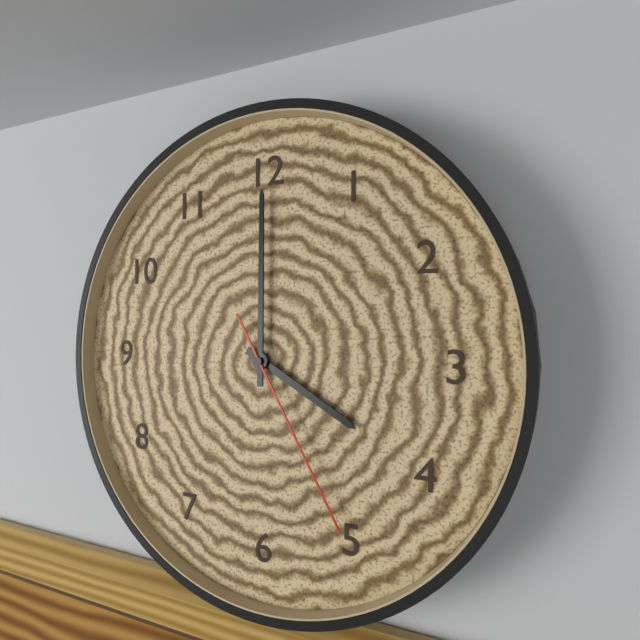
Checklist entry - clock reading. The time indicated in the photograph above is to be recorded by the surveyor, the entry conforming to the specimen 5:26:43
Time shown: 4:00:25
